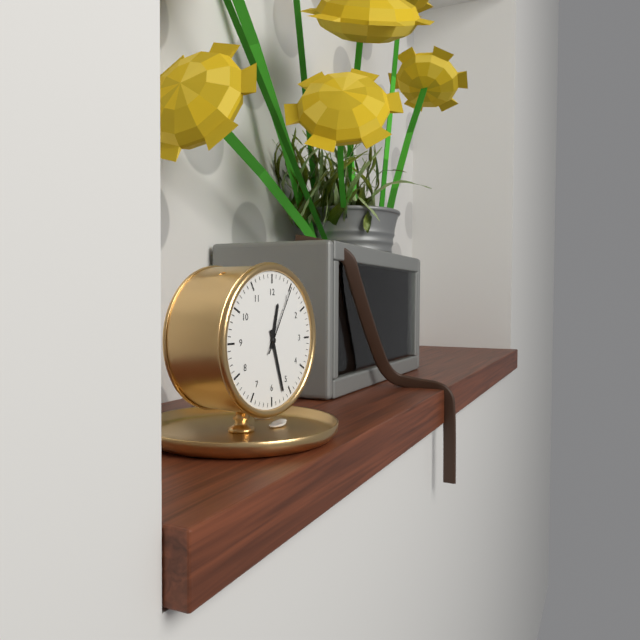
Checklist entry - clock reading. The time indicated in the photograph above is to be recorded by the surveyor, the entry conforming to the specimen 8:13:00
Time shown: 12:27:05
